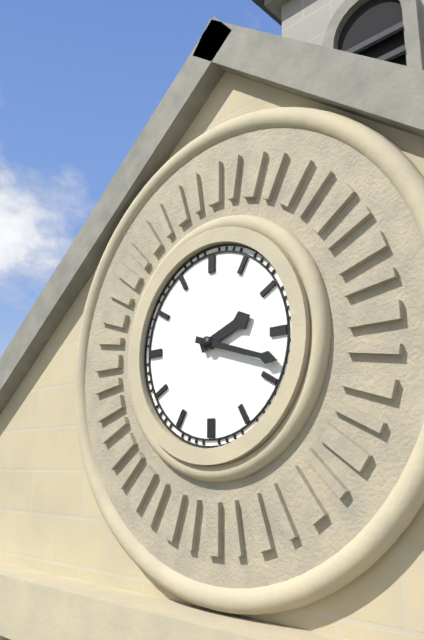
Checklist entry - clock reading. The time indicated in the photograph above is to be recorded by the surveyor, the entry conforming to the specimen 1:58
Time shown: 2:18
